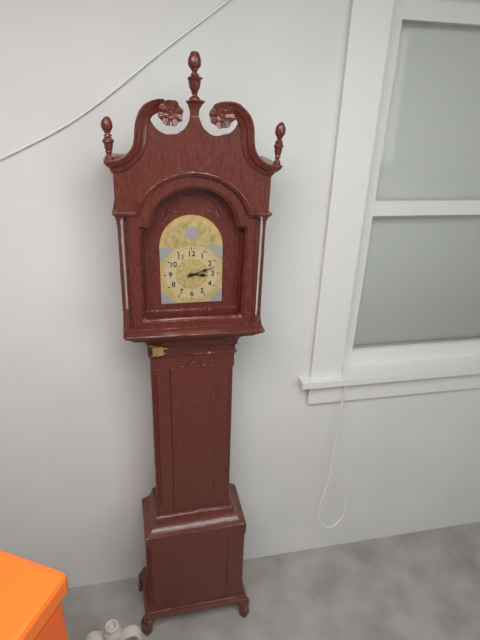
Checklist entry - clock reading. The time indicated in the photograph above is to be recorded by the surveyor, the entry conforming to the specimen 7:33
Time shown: 3:12
